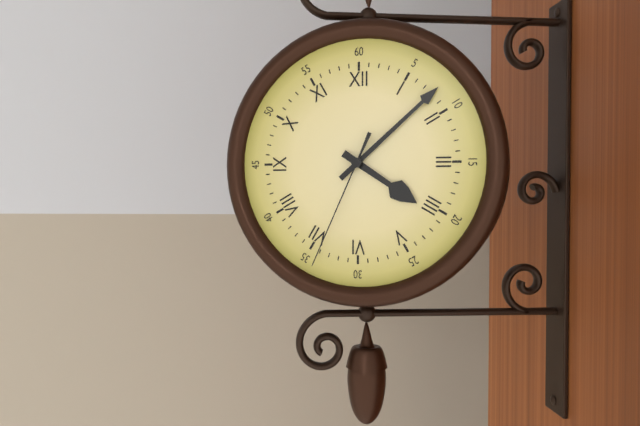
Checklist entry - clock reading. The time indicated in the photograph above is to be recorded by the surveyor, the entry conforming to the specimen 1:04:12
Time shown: 4:08:34
